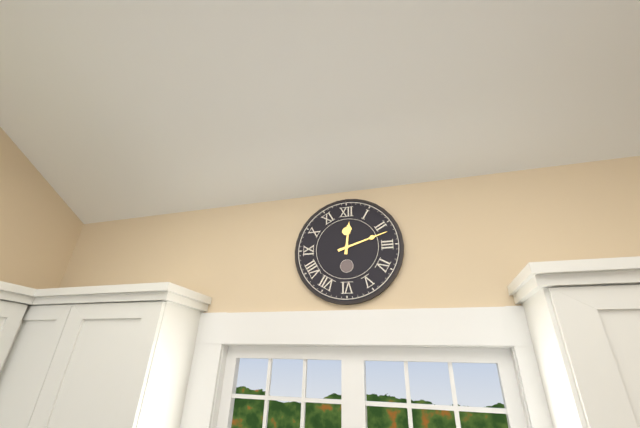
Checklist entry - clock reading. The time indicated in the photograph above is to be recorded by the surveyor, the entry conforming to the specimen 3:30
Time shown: 12:12
